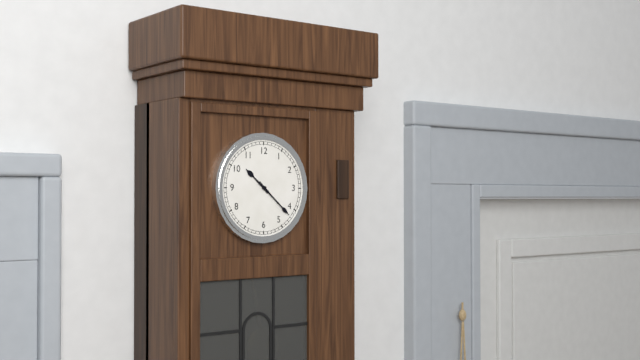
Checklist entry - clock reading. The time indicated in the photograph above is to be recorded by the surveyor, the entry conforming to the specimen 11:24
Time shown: 10:22
